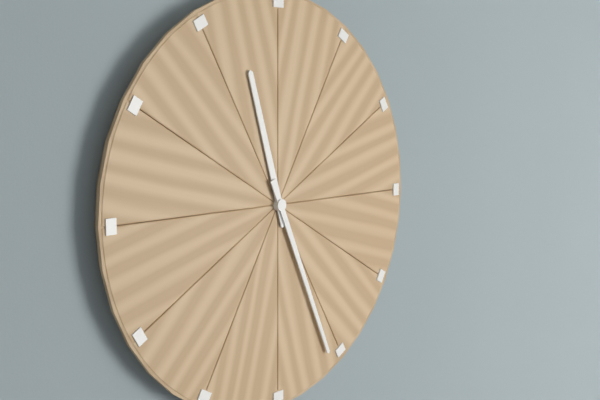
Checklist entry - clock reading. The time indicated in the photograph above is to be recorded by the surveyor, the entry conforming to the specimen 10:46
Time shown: 11:26
